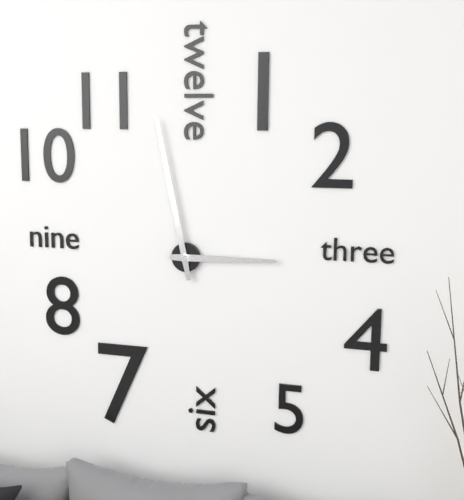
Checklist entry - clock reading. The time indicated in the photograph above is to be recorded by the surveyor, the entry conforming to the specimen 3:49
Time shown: 2:58
